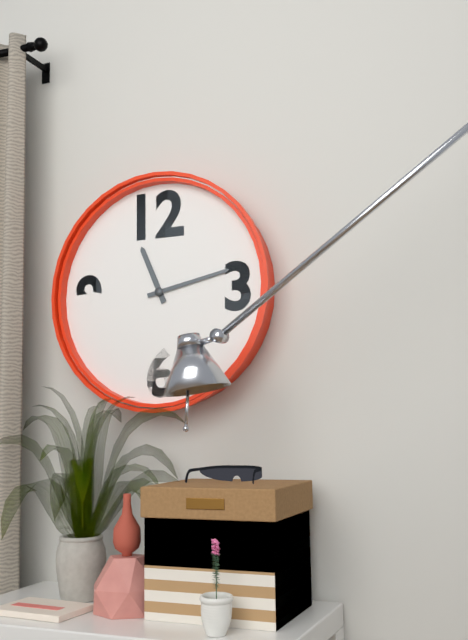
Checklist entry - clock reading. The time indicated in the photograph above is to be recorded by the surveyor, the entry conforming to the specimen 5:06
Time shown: 11:13
